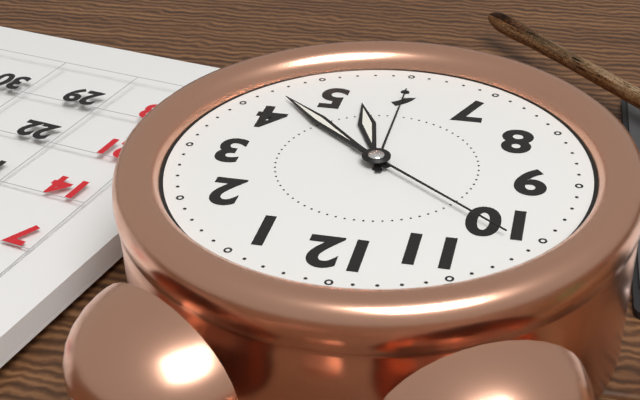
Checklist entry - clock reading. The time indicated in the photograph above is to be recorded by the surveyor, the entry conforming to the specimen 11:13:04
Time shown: 5:22:51
